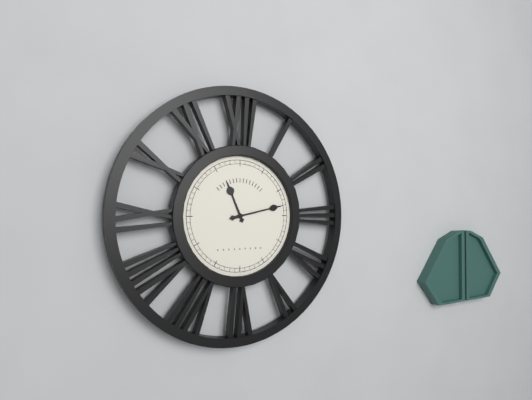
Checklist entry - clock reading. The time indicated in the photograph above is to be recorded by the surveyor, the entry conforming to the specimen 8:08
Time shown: 11:13
